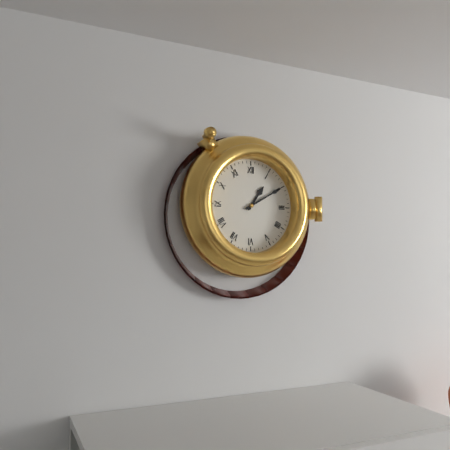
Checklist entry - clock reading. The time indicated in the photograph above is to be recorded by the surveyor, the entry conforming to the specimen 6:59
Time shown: 1:10
